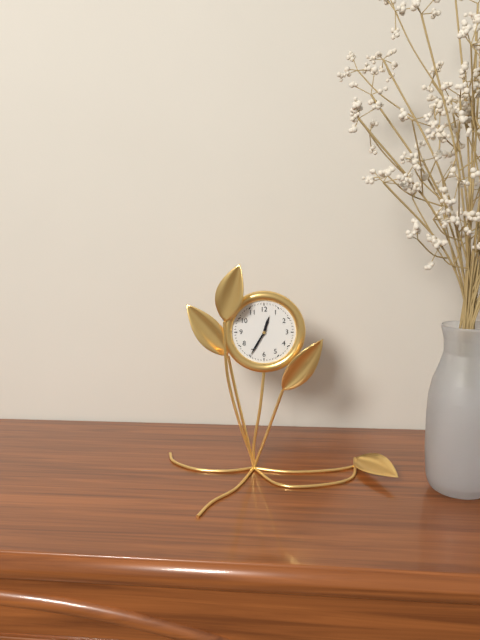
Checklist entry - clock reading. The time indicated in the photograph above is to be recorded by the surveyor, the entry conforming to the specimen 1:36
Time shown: 12:35
